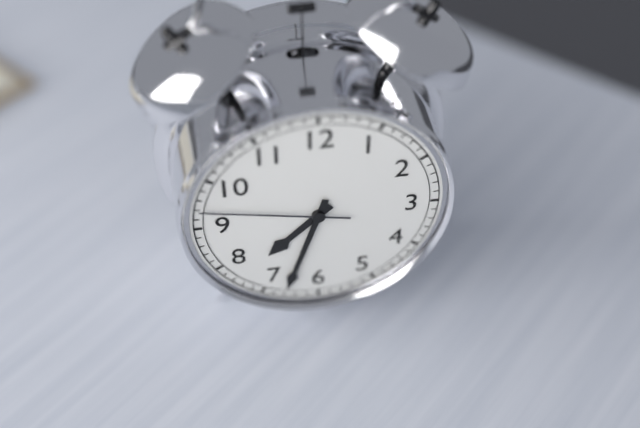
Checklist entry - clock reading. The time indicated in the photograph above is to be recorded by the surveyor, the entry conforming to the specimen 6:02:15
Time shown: 7:33:47
